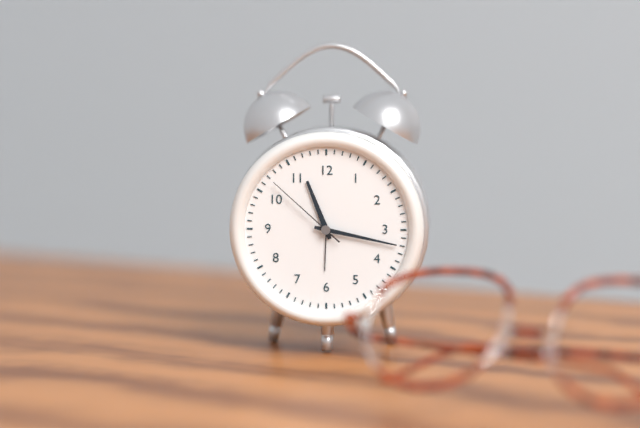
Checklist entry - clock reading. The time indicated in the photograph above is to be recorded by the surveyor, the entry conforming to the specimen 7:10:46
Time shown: 11:17:52
